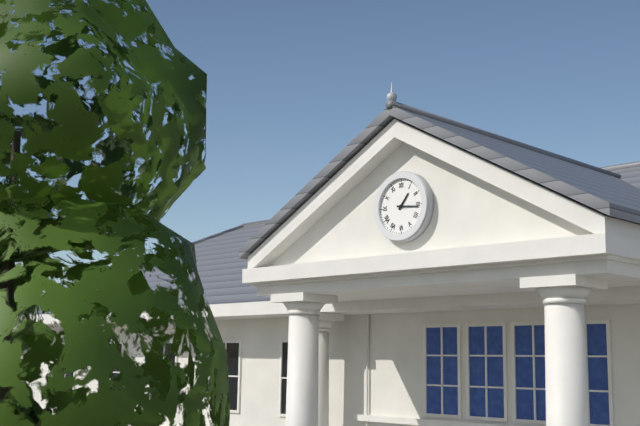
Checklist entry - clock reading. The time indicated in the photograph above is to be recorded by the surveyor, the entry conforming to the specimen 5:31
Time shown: 1:16
